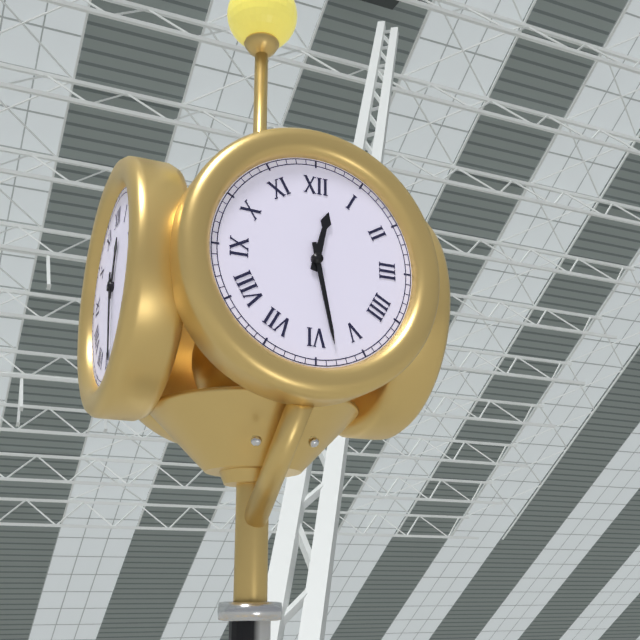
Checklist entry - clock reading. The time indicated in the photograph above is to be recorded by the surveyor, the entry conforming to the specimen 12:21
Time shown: 12:28
